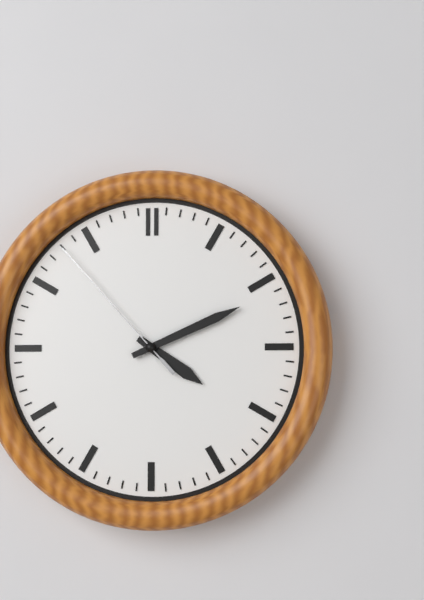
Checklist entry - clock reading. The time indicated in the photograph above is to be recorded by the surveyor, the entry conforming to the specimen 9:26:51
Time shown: 4:11:53
